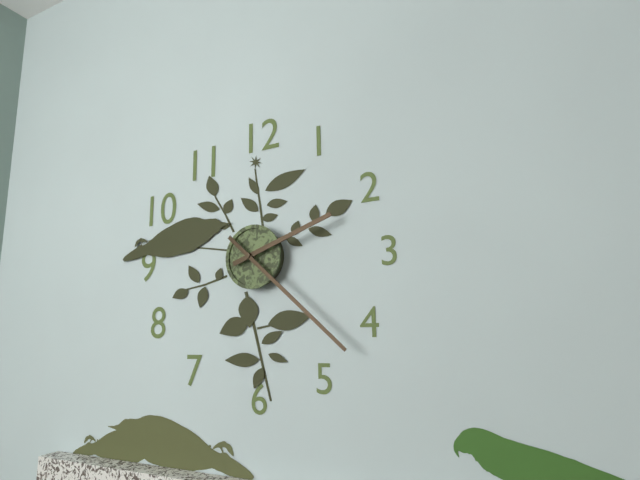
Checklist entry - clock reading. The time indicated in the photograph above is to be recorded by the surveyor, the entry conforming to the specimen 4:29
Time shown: 2:22
